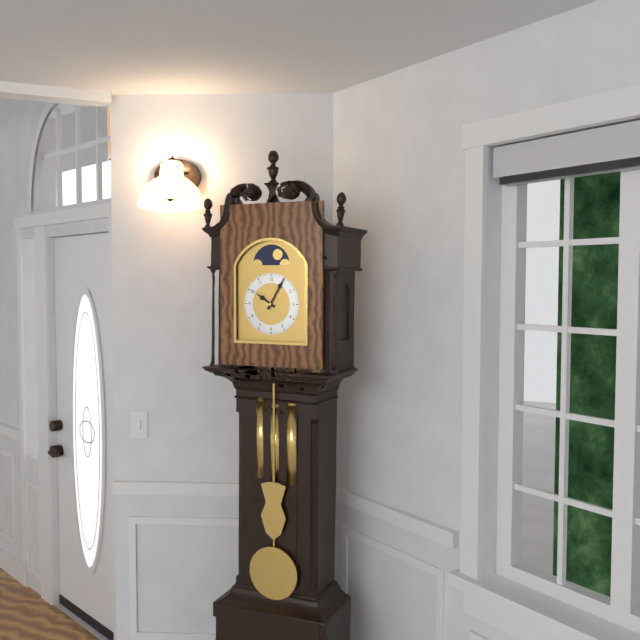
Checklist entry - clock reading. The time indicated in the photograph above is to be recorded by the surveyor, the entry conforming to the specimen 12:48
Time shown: 10:05
